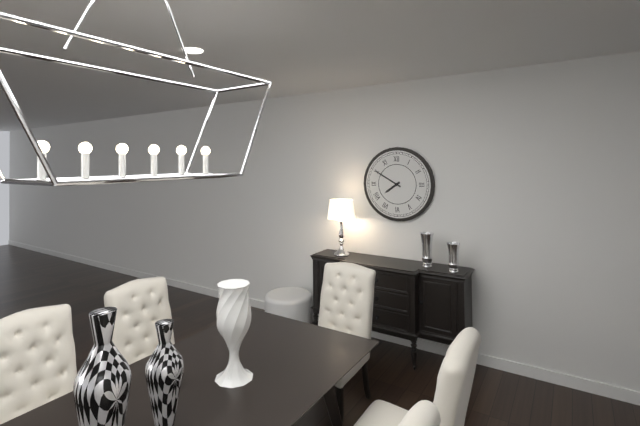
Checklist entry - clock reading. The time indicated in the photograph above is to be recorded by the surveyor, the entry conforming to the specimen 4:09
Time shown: 7:50
